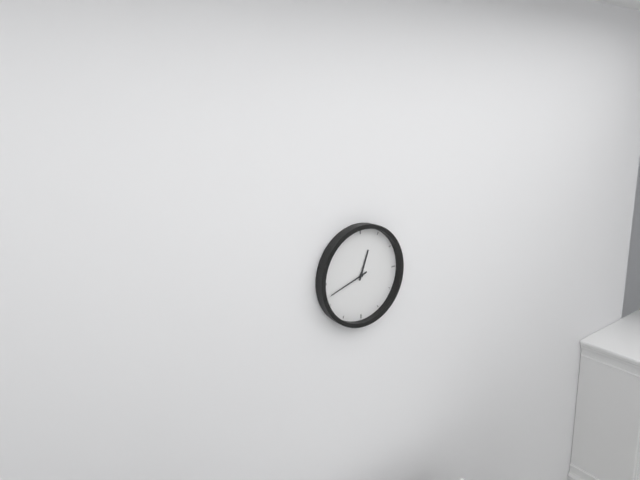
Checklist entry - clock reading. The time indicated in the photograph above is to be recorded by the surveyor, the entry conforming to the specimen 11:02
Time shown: 12:42
